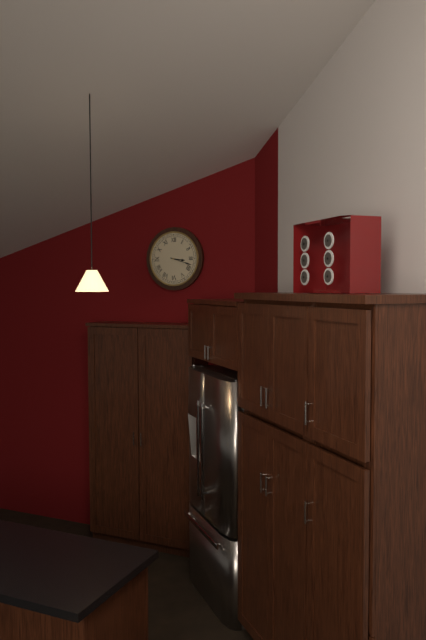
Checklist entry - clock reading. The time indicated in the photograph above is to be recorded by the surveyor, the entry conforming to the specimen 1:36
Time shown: 3:18
